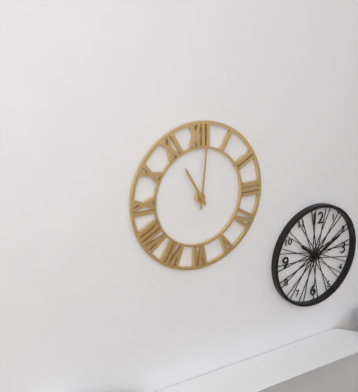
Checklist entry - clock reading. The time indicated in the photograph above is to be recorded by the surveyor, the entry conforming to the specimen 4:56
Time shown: 11:01
